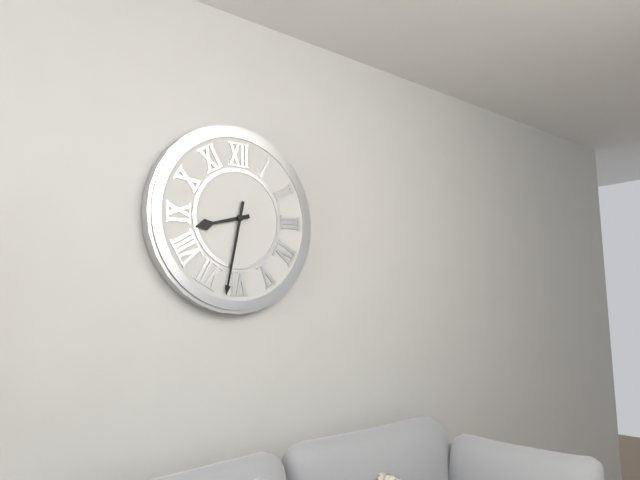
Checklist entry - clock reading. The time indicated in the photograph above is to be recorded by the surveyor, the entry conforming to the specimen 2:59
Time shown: 8:32
